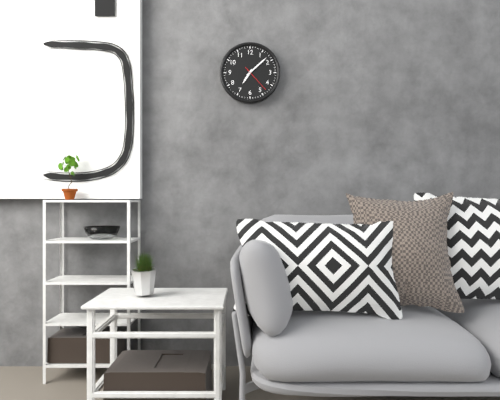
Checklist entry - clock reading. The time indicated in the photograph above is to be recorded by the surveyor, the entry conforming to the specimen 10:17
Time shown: 7:08
